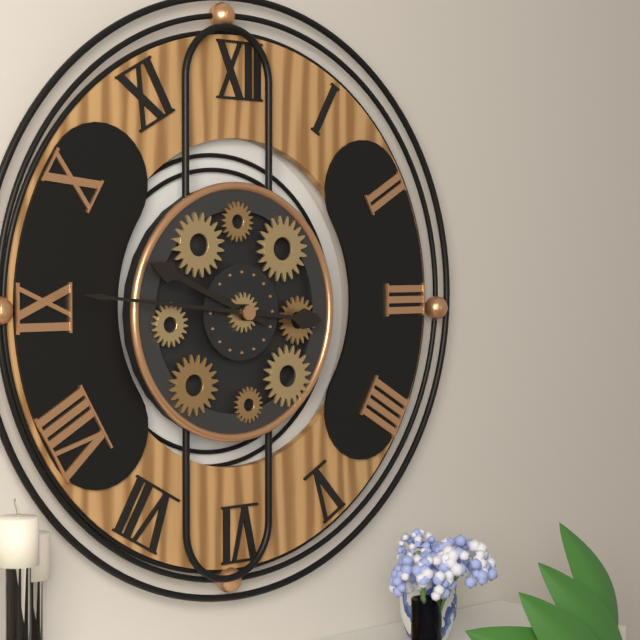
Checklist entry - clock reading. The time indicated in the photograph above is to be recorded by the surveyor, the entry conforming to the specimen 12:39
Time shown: 9:46
